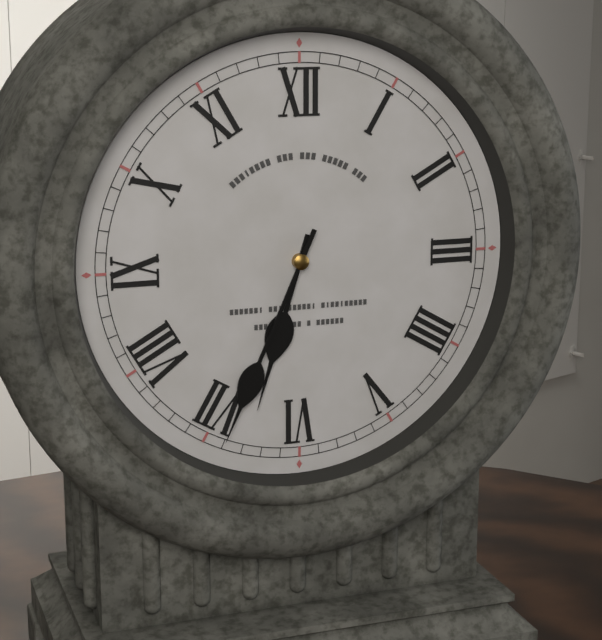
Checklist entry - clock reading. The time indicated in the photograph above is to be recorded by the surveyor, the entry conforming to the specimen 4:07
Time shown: 6:34
